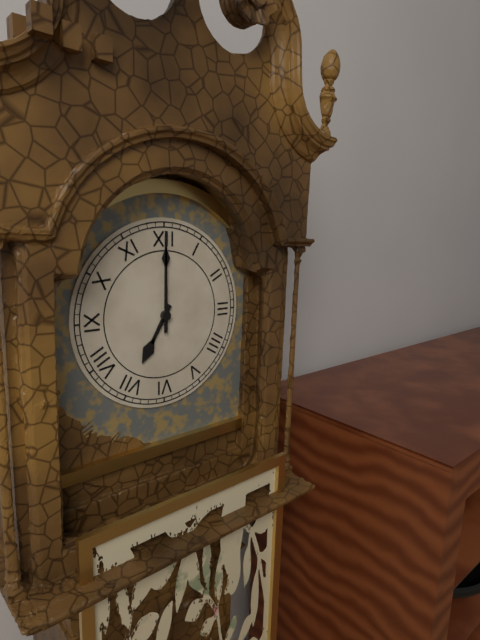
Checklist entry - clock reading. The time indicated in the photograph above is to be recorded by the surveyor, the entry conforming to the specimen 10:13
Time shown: 7:00
